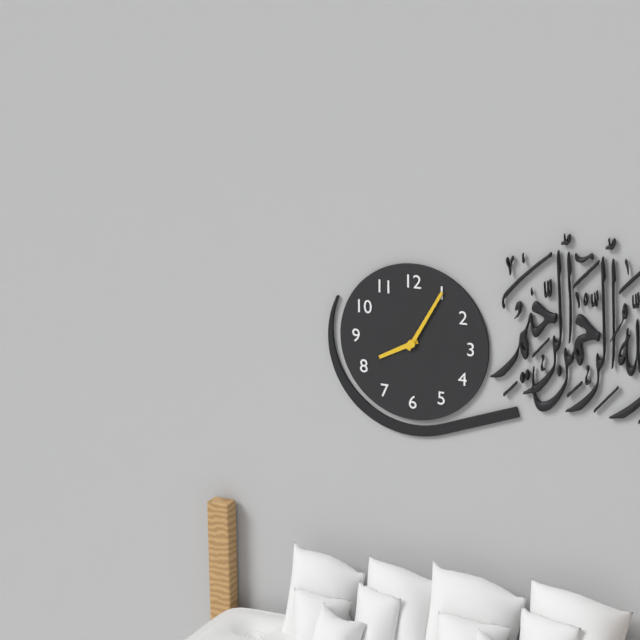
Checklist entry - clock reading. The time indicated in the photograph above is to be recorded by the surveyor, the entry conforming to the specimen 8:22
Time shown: 8:05
